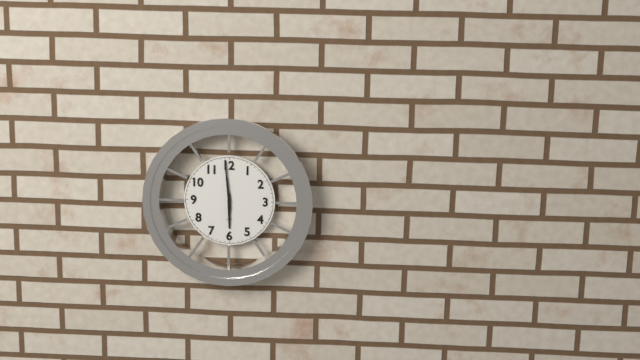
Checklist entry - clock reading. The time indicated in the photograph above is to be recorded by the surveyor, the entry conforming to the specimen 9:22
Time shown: 5:59
